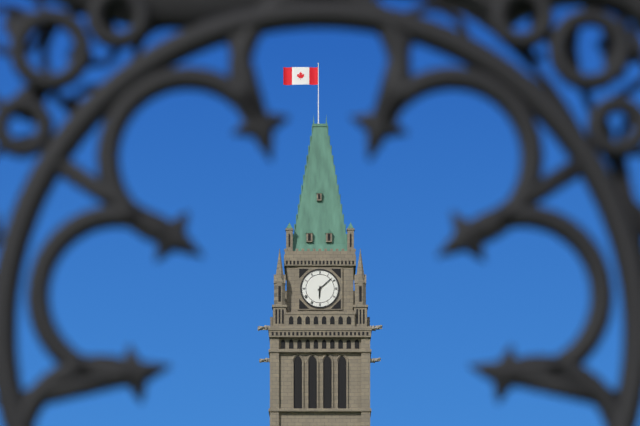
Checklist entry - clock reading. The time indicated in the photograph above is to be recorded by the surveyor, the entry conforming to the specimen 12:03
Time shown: 6:08
